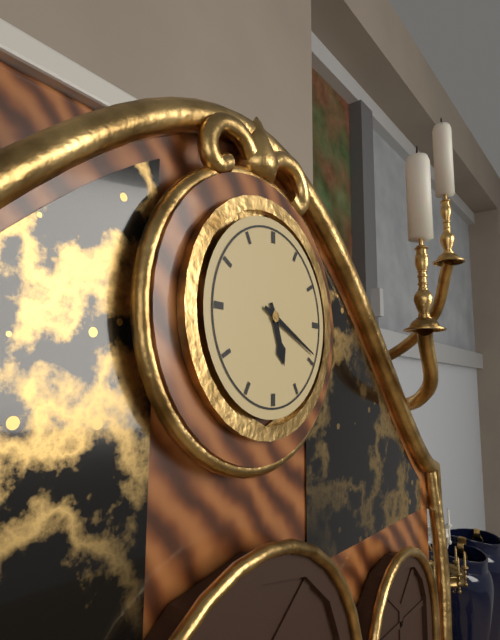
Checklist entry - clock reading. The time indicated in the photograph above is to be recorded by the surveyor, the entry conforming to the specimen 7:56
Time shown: 5:19
